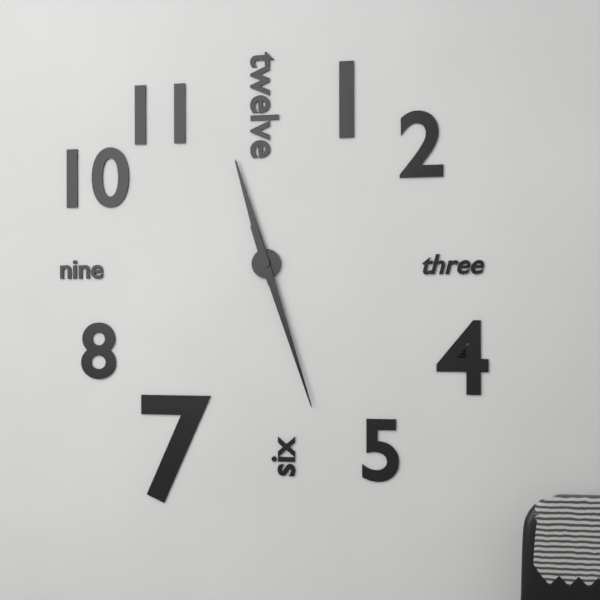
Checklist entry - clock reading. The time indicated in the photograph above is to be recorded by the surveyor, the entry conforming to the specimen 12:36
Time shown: 11:27
